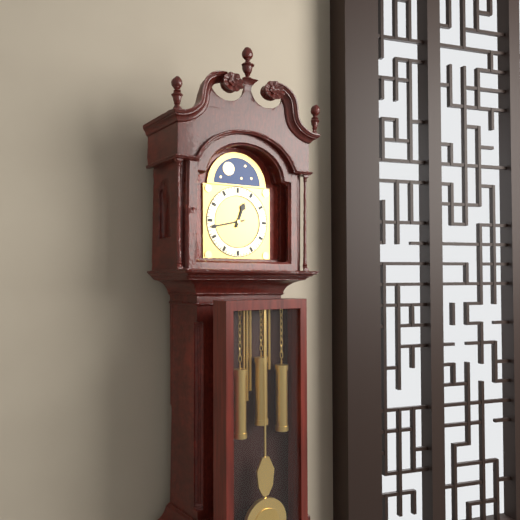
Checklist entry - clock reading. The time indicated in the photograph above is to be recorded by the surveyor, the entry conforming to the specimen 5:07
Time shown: 12:43
